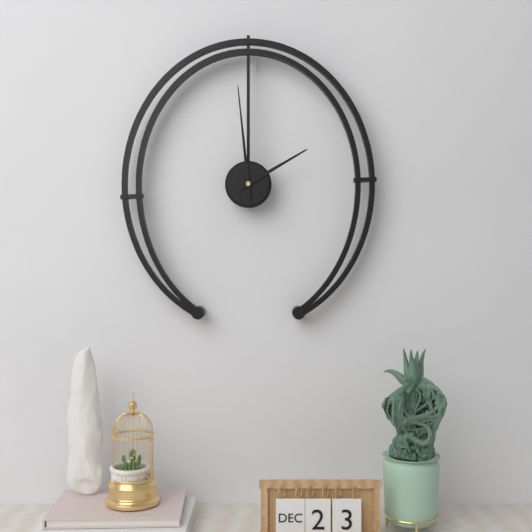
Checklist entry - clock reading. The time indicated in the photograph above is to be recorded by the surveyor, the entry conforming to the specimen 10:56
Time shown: 1:59
